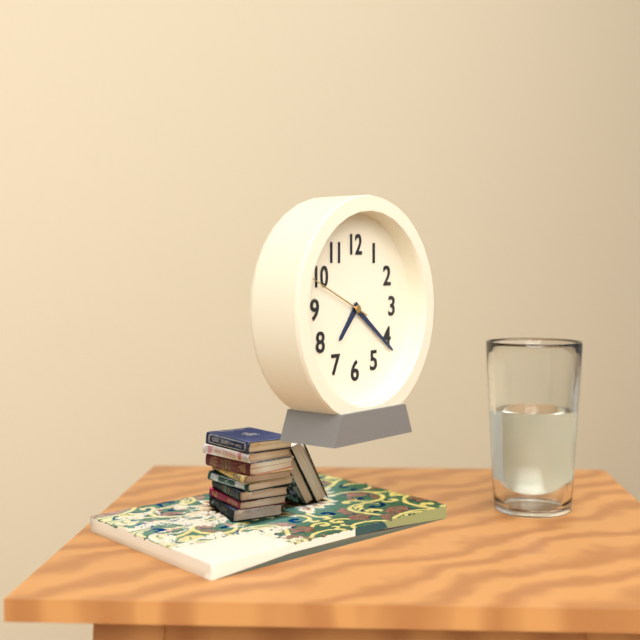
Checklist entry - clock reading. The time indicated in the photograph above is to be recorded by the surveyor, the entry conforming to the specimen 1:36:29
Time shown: 7:21:49
